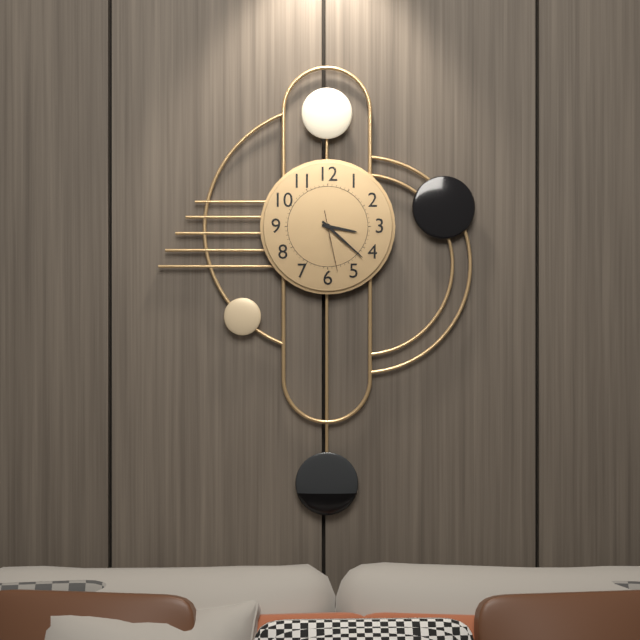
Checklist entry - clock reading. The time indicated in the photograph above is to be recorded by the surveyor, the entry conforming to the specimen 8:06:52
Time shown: 3:22:28
